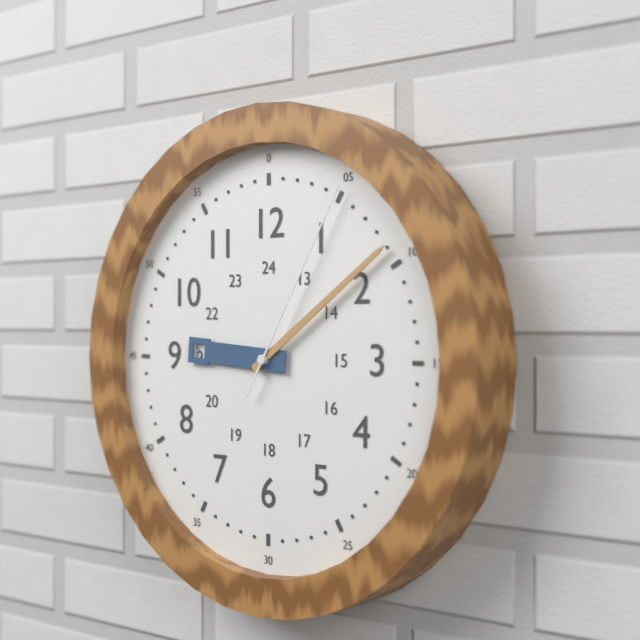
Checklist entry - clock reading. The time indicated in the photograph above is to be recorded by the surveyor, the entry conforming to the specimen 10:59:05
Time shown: 9:09:05
